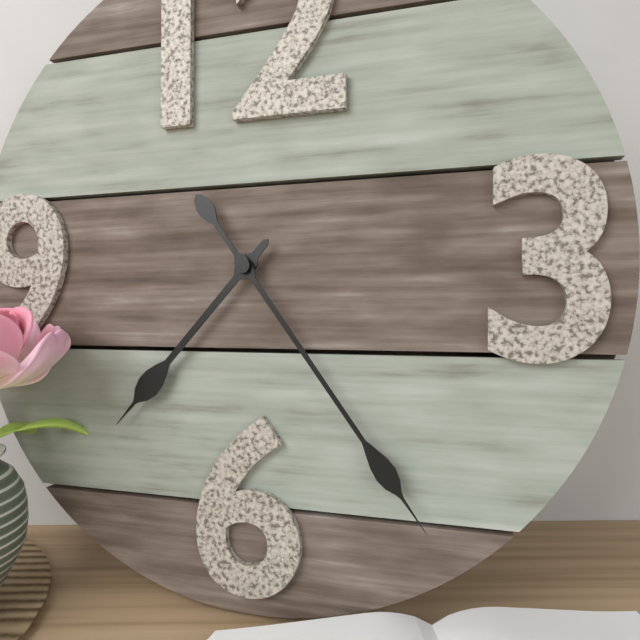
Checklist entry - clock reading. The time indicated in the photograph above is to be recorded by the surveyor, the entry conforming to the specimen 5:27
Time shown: 7:24
